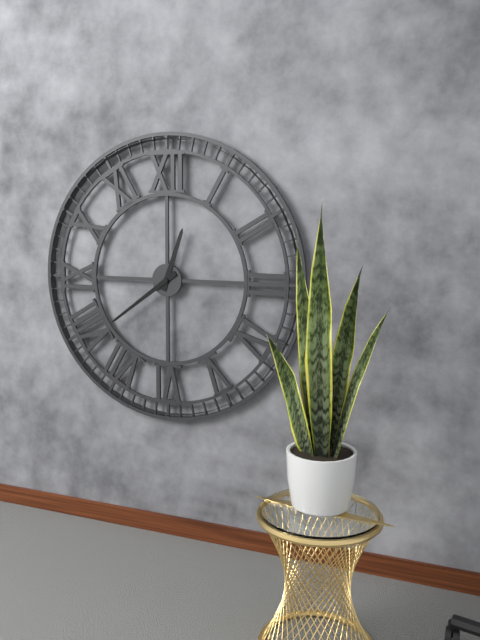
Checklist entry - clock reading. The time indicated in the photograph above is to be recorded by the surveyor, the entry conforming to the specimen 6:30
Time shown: 12:39
